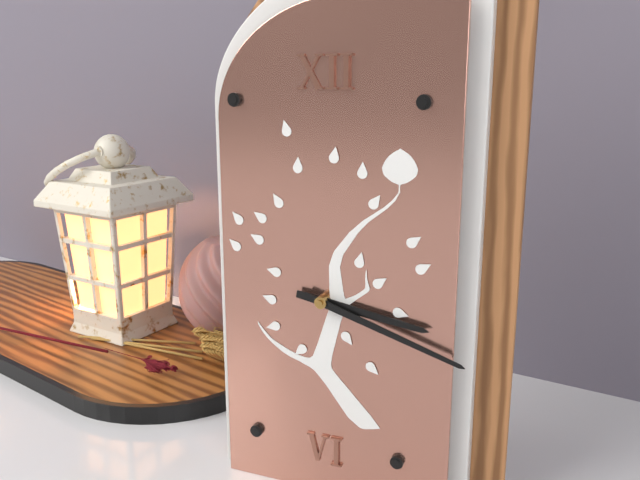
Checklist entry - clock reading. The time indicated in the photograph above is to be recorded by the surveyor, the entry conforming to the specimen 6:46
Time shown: 3:18
